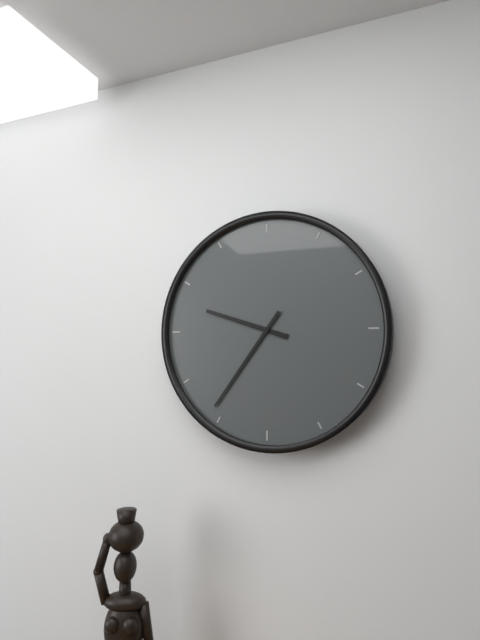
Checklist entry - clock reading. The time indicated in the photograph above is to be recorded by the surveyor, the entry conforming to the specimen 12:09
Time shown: 9:36
